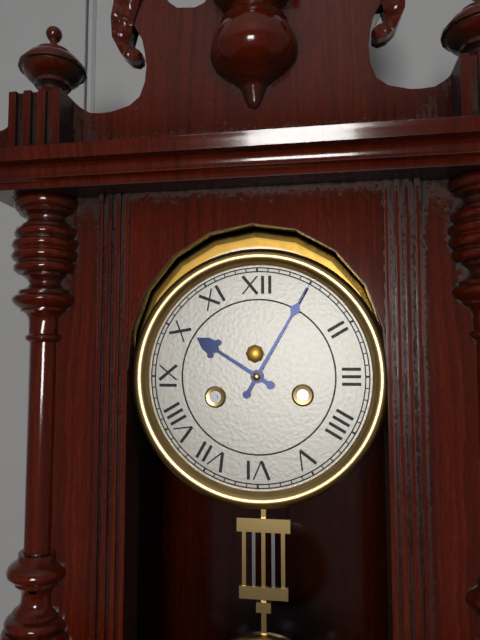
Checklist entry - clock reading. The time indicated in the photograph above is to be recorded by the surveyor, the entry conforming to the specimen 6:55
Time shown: 10:05
